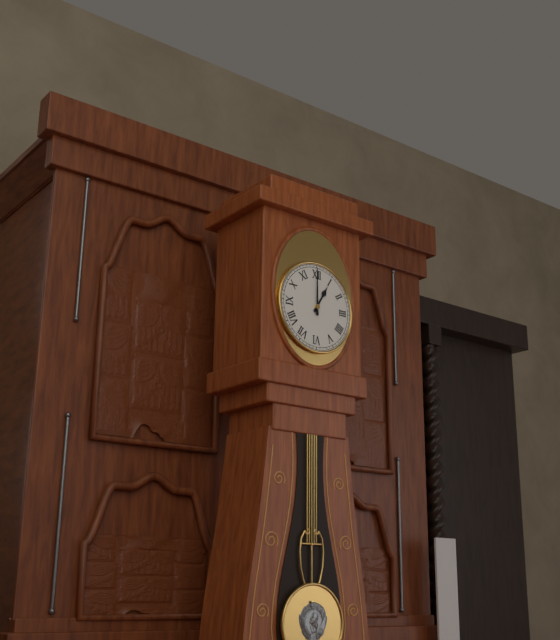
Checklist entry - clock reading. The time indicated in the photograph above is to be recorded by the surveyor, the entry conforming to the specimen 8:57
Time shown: 1:00
